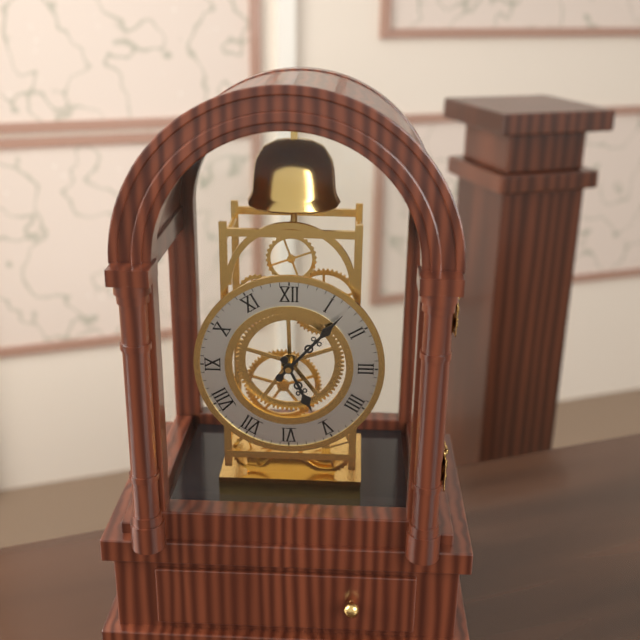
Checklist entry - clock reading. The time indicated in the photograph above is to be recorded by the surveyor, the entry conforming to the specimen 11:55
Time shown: 5:07
